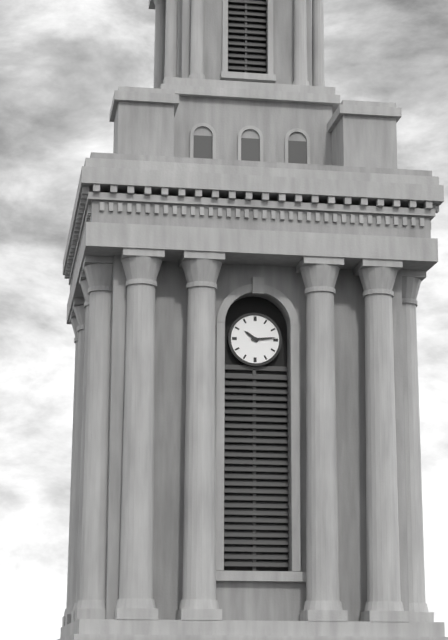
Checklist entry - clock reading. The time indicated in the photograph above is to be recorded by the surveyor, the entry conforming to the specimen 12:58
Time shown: 10:14
